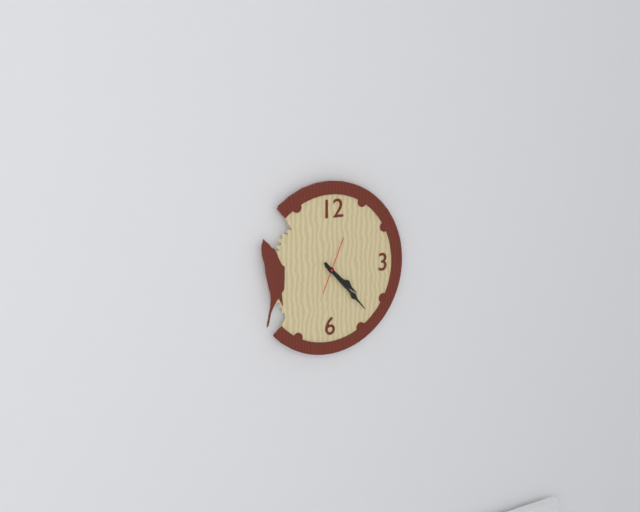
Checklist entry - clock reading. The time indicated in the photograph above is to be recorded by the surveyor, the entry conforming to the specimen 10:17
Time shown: 4:23
